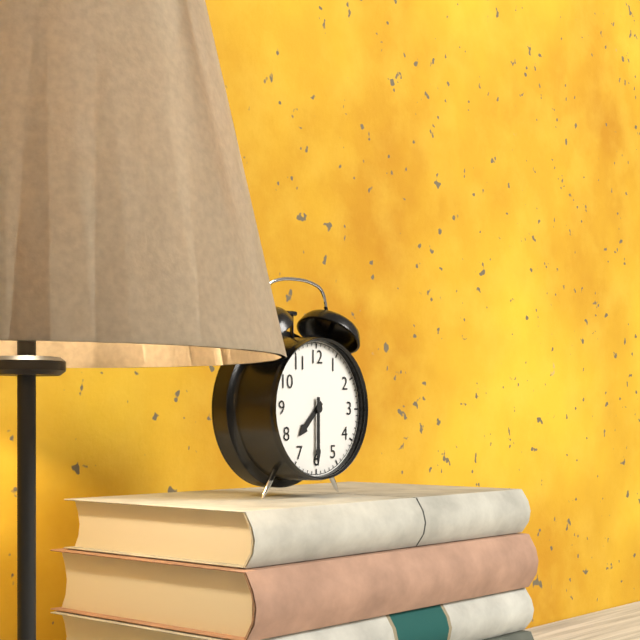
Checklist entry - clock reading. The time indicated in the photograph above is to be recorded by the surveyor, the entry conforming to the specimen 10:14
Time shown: 7:30
